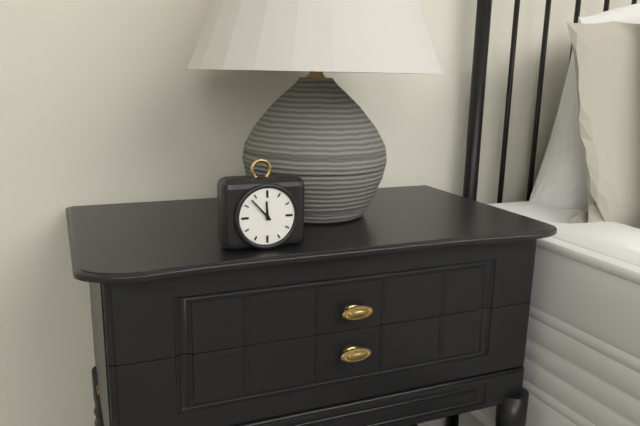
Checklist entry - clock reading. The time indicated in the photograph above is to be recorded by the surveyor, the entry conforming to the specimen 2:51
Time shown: 11:53
